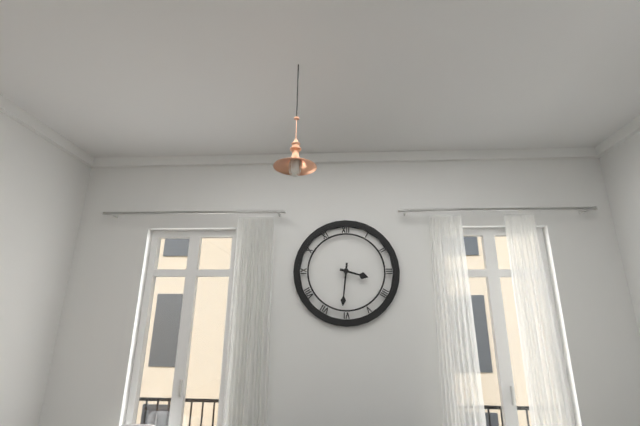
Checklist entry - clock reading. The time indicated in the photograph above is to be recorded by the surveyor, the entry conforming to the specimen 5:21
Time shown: 3:31
